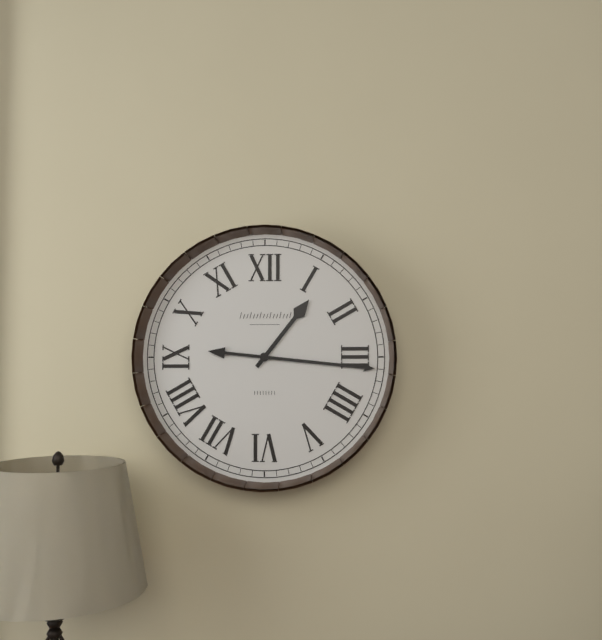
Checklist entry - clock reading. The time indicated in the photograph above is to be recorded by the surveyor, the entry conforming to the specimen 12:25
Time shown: 1:16
